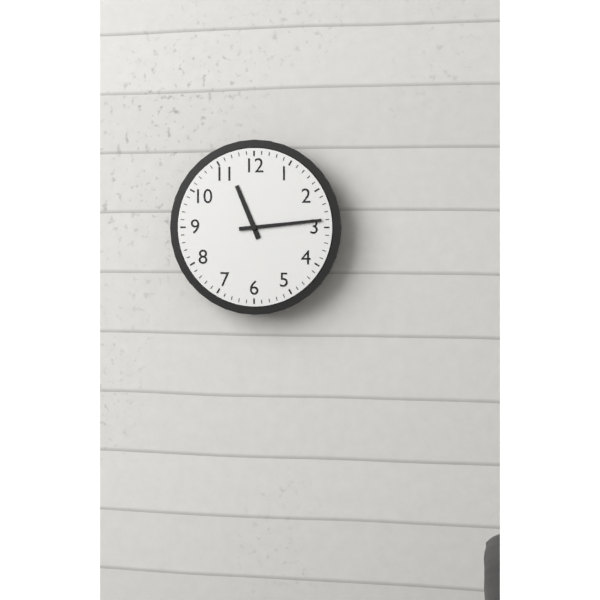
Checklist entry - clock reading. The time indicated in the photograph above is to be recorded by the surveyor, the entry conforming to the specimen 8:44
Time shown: 11:14
